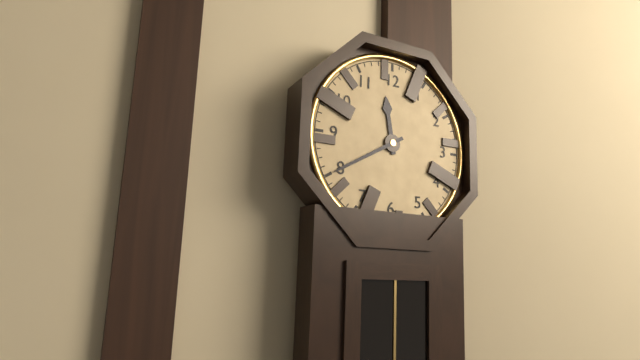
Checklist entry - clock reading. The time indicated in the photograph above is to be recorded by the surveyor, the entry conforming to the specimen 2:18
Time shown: 11:40
